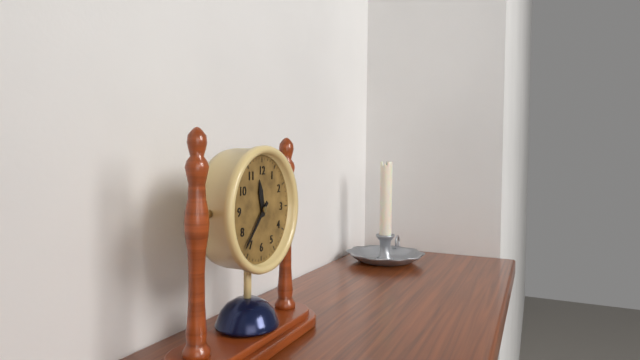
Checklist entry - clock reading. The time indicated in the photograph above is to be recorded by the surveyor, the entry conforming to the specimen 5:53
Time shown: 11:37
